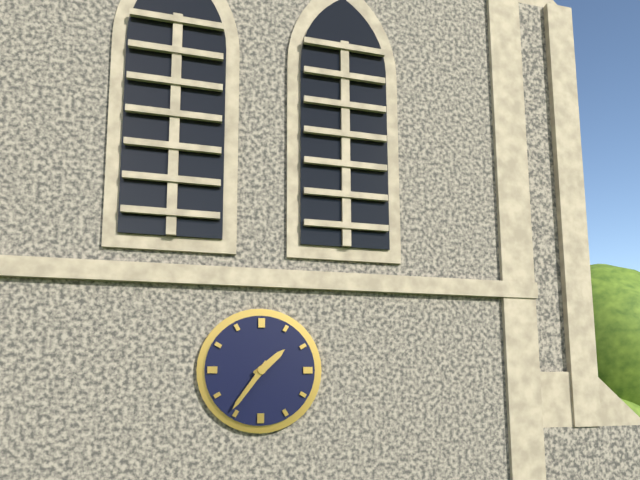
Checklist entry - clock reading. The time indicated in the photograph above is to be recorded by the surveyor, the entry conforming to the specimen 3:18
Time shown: 1:36
